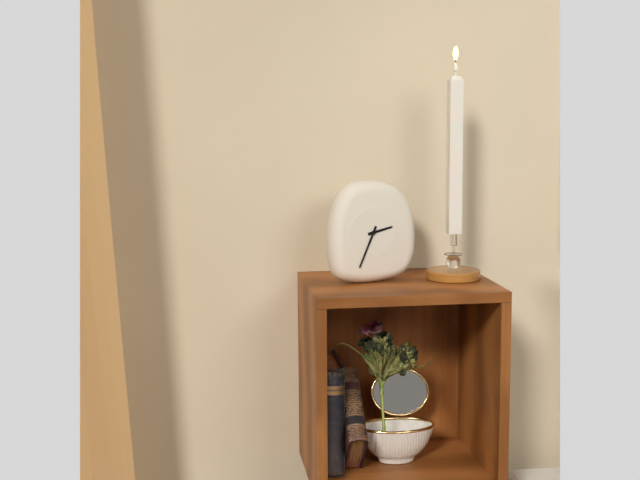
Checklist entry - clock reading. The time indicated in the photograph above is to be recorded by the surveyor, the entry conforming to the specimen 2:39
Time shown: 2:34
